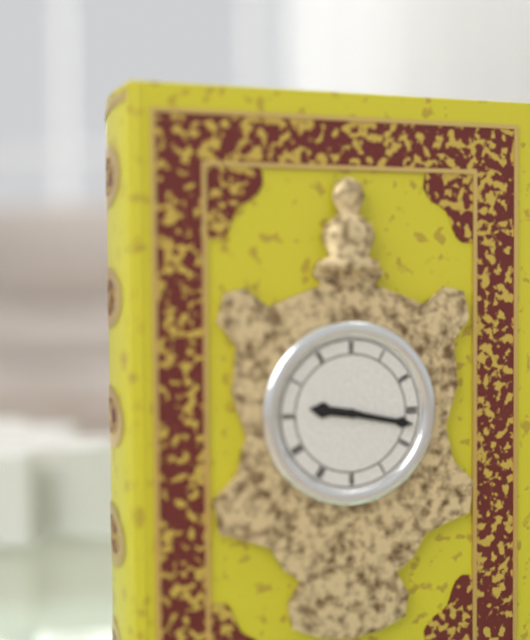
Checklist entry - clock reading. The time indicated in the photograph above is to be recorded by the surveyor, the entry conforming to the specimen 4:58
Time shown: 9:17
